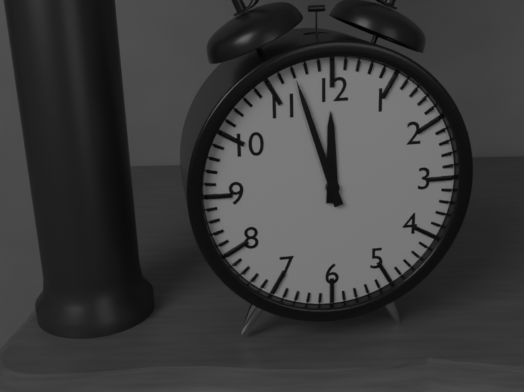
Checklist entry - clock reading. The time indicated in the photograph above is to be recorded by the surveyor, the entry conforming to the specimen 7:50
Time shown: 11:57
